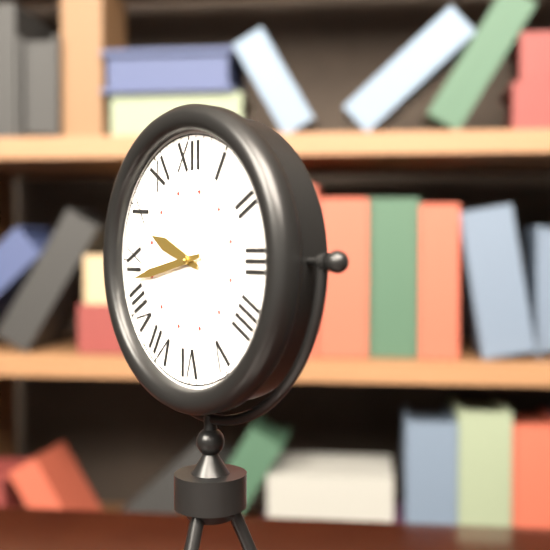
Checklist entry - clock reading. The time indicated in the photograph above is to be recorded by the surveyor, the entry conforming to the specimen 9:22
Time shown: 9:43
